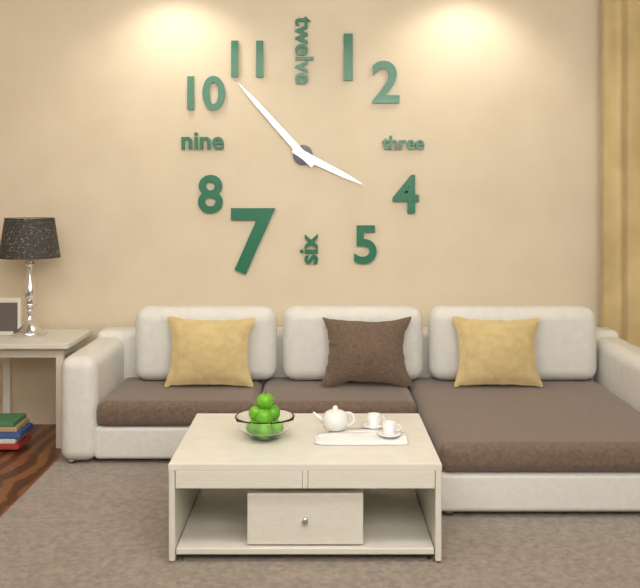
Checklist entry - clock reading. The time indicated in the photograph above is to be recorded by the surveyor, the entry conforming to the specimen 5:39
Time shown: 3:53
